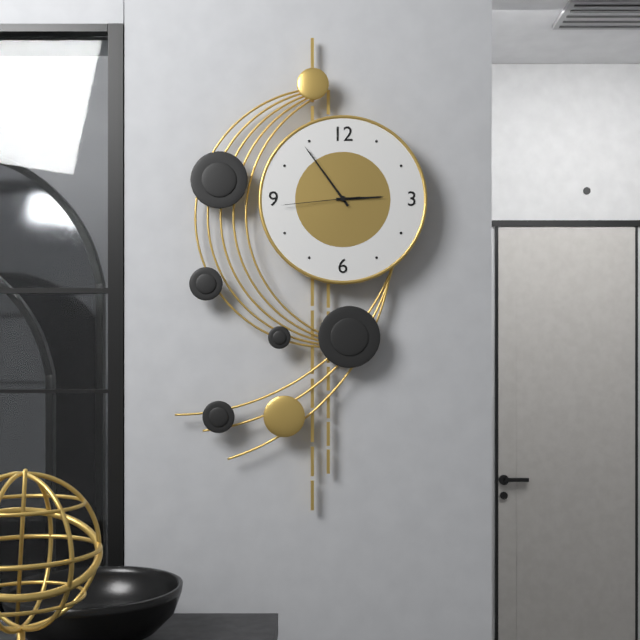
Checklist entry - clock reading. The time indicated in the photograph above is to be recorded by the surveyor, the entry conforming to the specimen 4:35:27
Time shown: 2:54:44
